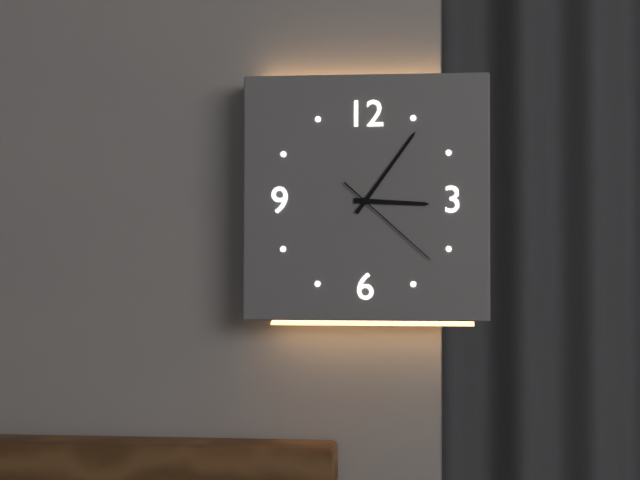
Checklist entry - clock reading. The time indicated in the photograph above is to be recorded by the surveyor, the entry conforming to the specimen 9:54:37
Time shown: 3:06:22
